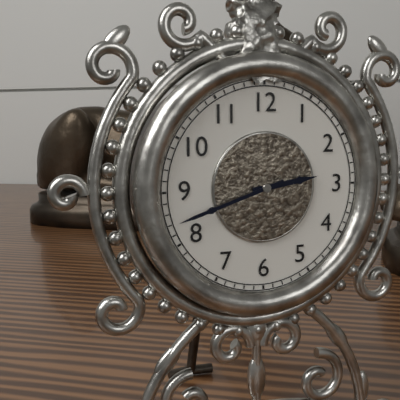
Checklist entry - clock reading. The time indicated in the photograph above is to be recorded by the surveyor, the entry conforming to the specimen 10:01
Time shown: 2:42
